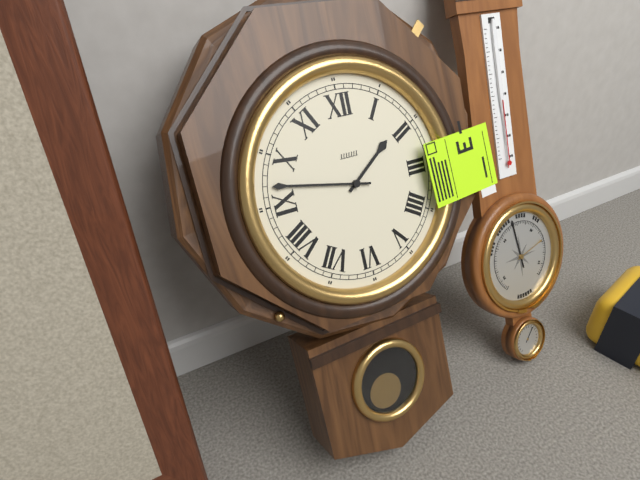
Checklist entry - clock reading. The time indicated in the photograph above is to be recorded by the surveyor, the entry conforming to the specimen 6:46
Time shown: 1:47
